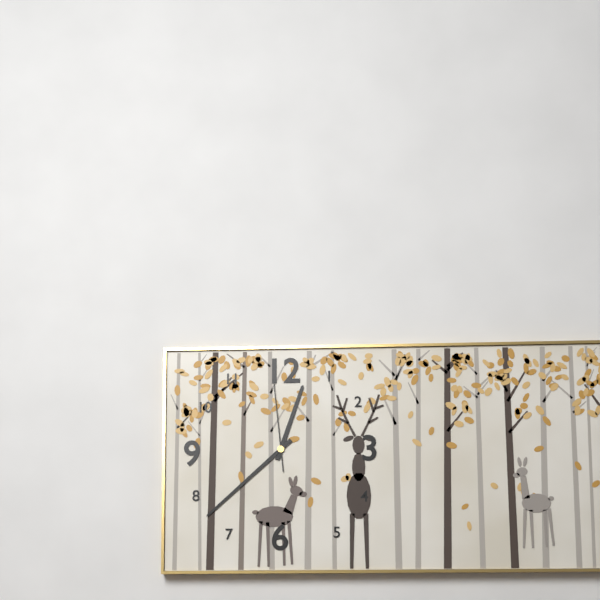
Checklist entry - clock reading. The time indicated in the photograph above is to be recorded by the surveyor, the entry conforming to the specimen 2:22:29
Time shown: 12:38:59
